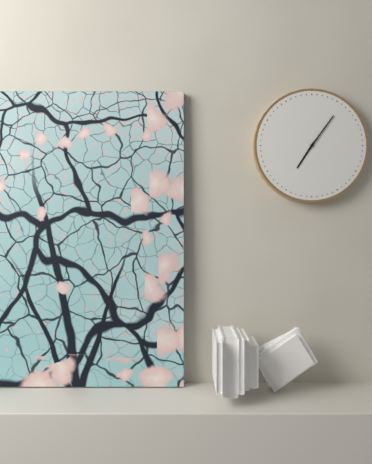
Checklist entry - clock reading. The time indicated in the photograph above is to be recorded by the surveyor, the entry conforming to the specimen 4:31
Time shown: 7:06
